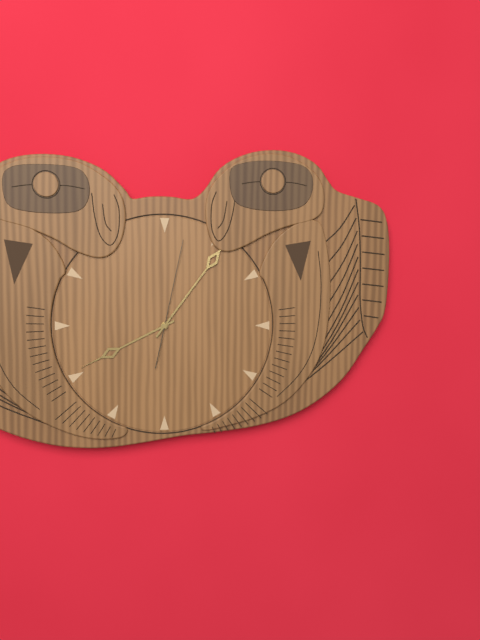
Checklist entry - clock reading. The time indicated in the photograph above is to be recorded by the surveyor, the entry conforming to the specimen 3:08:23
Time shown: 8:06:02
